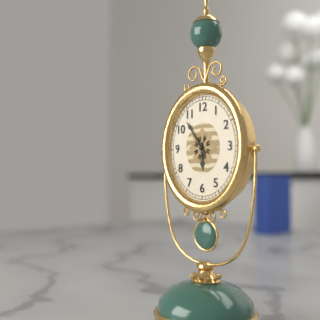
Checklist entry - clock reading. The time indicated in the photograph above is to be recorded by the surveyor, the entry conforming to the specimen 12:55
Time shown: 5:54
